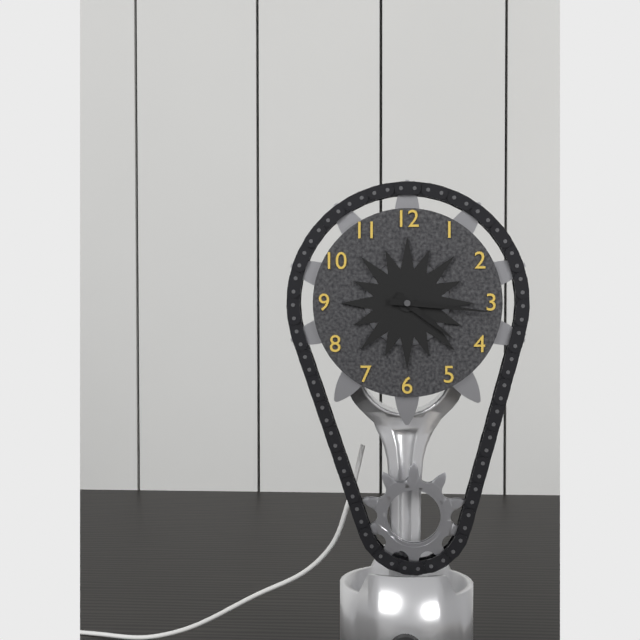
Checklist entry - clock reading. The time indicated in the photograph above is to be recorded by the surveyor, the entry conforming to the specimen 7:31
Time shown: 4:16
